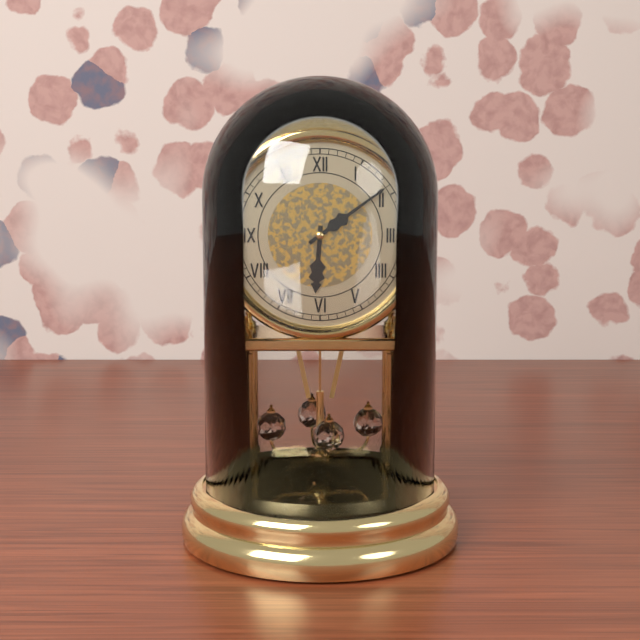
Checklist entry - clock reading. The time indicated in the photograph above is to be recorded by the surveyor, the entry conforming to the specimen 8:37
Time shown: 6:09
